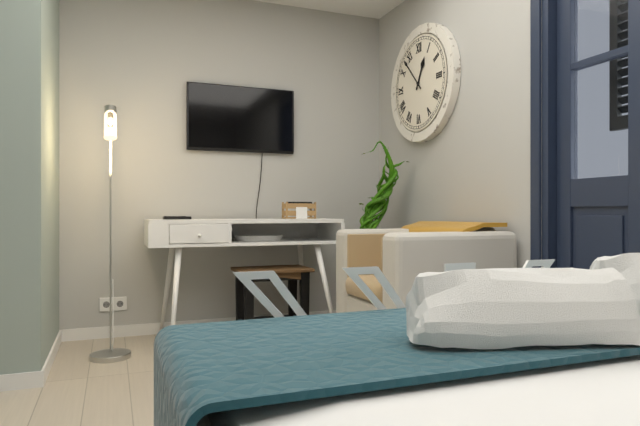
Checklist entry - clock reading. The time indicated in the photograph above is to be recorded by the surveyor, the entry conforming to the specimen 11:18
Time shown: 12:53
